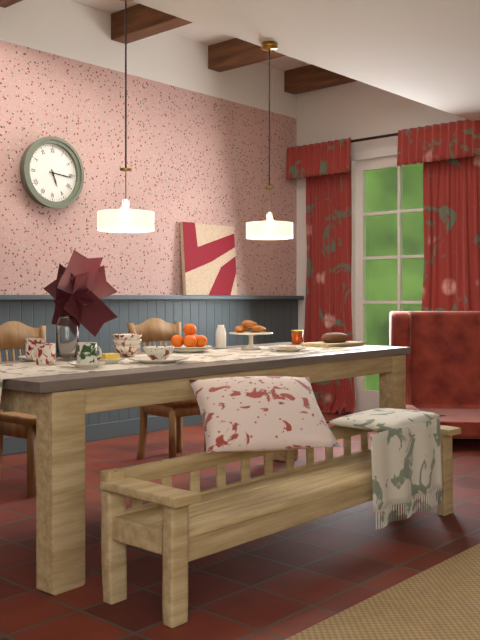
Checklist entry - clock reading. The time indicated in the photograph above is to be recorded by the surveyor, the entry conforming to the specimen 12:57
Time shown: 5:16
